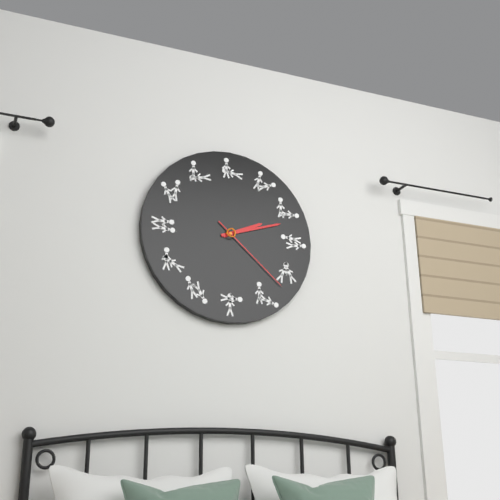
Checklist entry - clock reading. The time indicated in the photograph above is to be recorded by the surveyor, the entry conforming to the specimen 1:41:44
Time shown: 2:12:22
